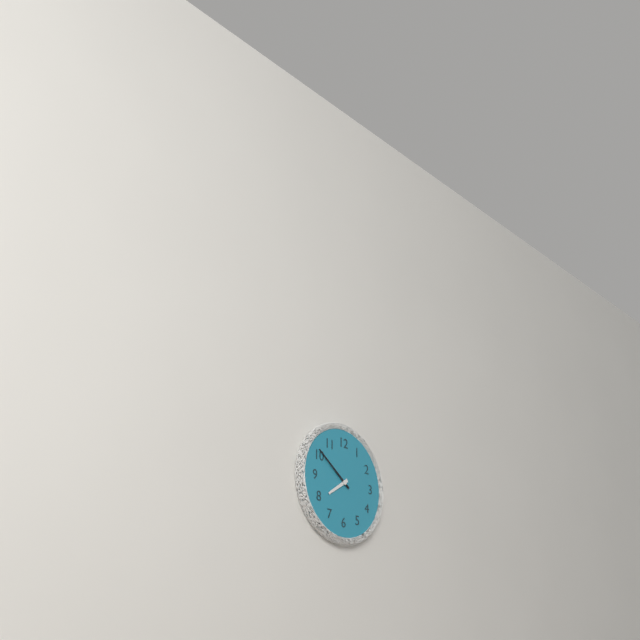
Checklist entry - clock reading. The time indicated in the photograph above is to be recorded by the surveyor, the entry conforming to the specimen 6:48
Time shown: 7:51
